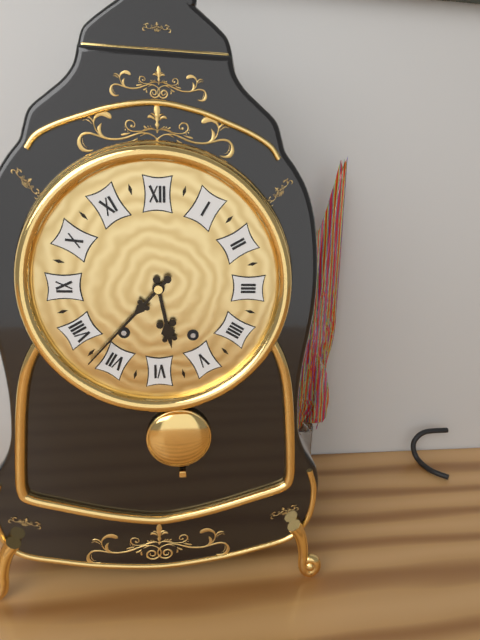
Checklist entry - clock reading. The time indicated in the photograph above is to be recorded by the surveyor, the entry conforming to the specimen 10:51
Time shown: 5:37
